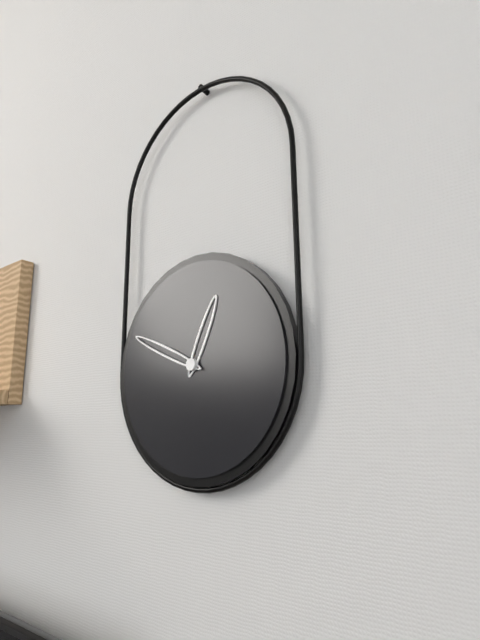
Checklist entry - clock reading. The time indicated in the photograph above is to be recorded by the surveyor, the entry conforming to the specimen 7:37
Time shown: 12:49
